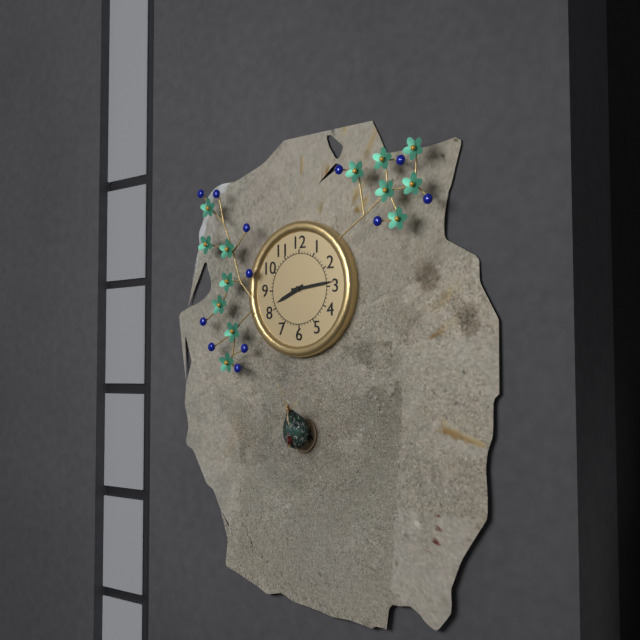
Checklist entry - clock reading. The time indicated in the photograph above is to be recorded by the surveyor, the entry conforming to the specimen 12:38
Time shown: 8:14
